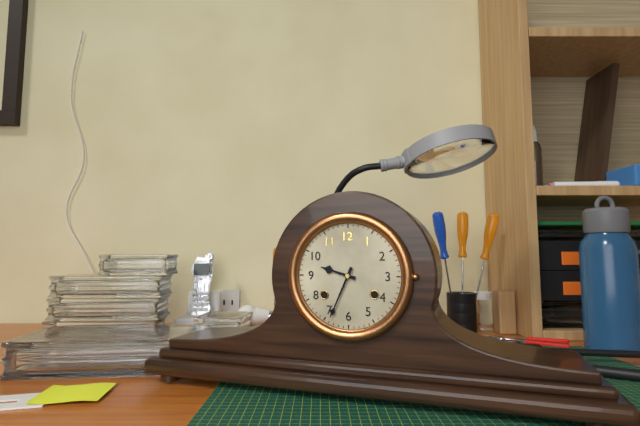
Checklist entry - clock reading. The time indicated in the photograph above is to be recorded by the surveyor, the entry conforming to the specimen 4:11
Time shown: 9:34
